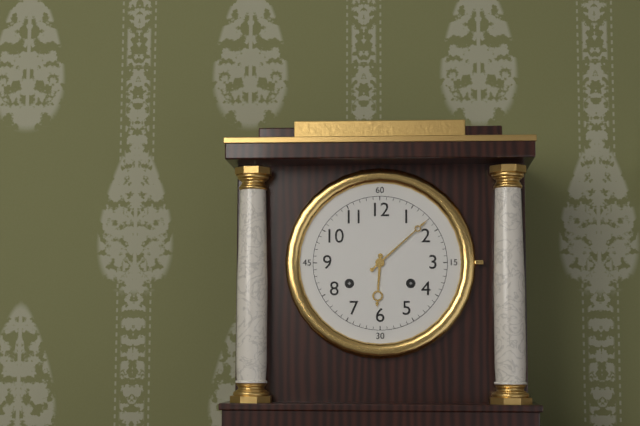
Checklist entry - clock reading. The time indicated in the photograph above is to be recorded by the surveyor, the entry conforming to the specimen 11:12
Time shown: 6:08
